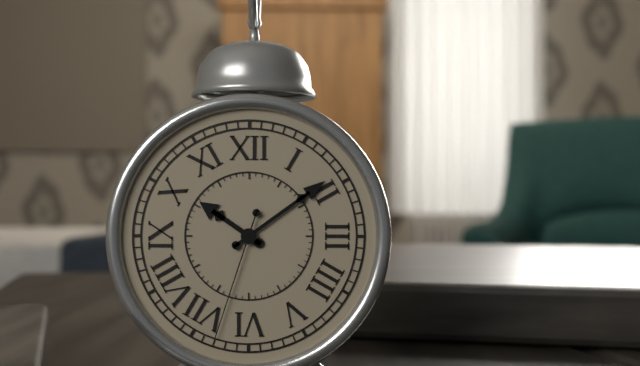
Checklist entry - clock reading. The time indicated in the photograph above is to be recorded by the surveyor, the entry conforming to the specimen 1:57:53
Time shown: 10:09:33
